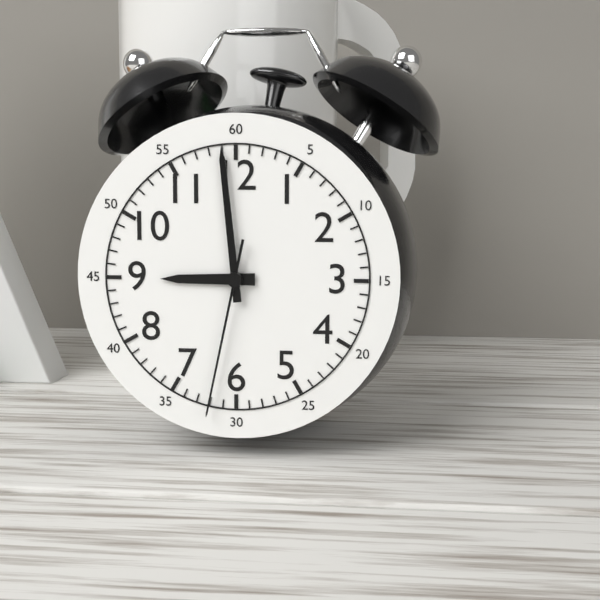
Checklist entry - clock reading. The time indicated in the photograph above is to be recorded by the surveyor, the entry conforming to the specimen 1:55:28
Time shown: 8:59:32
